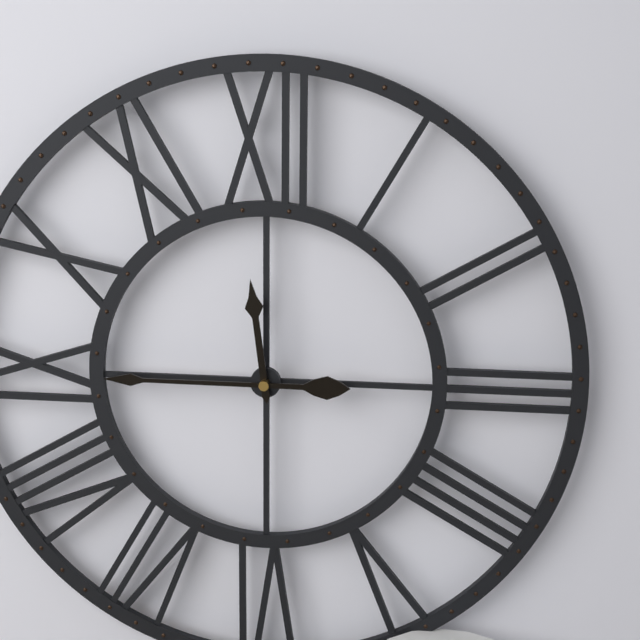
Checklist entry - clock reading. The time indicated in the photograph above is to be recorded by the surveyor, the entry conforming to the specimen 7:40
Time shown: 11:45
